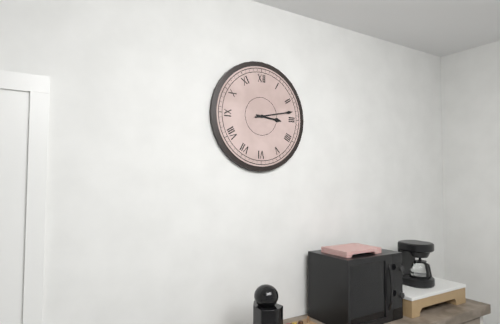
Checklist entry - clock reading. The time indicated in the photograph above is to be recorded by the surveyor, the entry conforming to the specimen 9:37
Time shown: 3:13
